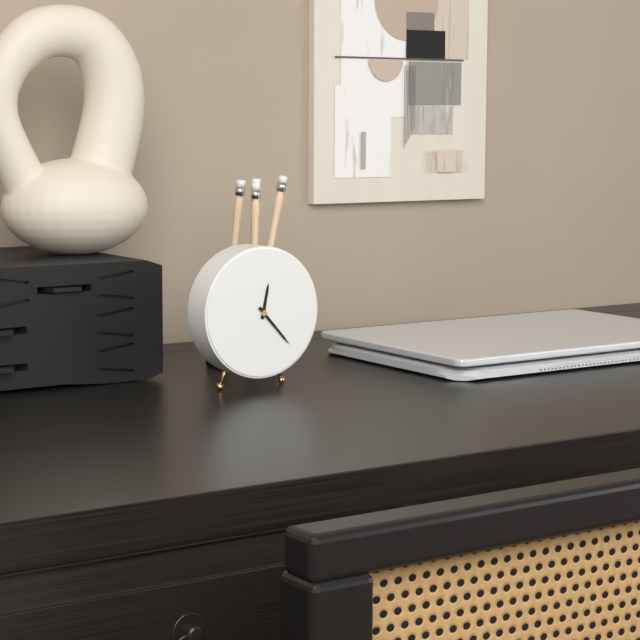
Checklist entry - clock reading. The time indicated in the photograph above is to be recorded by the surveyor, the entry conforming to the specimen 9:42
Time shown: 12:23
